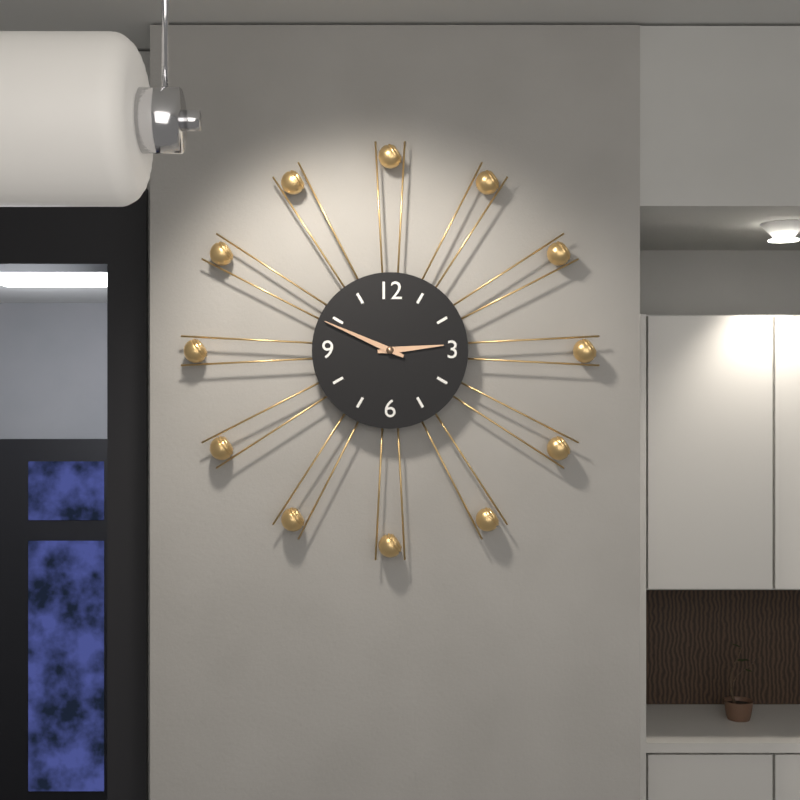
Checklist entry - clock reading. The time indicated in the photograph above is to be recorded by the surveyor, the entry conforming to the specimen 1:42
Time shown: 2:49
